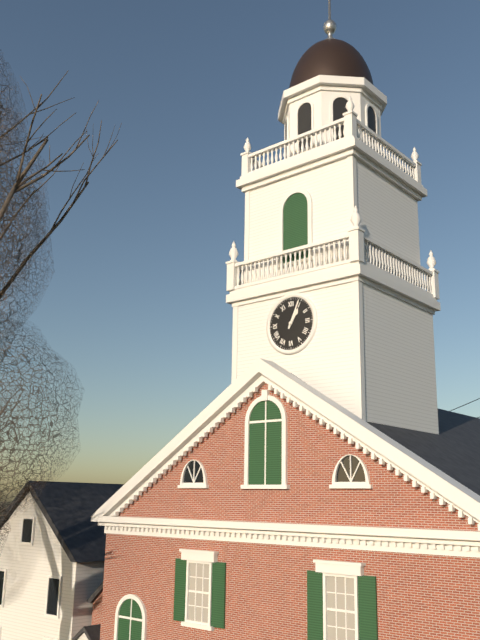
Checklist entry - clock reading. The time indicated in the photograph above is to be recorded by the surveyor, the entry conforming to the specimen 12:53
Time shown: 1:04
